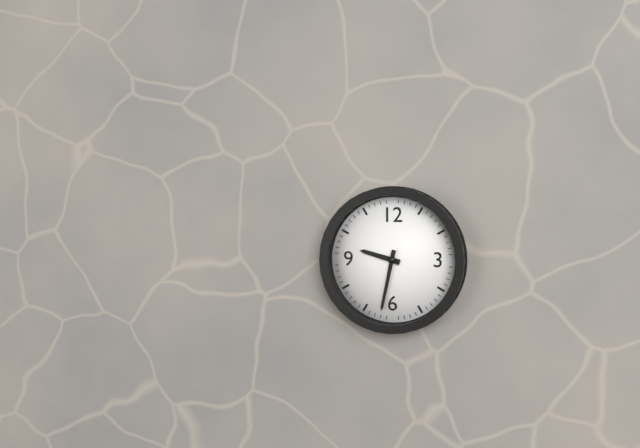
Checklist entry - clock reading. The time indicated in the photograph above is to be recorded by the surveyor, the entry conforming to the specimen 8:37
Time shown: 9:32
